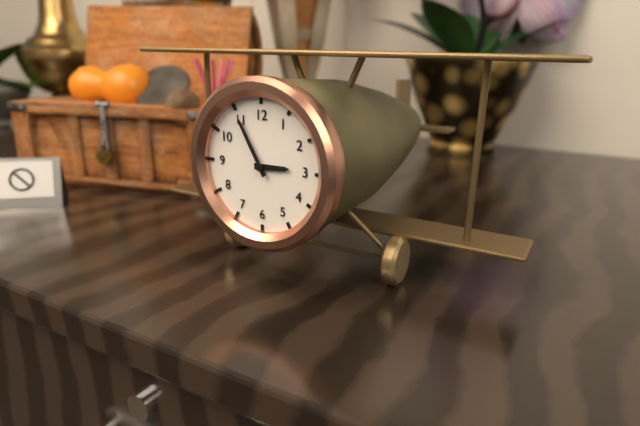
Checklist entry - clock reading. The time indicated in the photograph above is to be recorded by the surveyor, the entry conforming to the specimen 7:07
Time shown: 2:55
